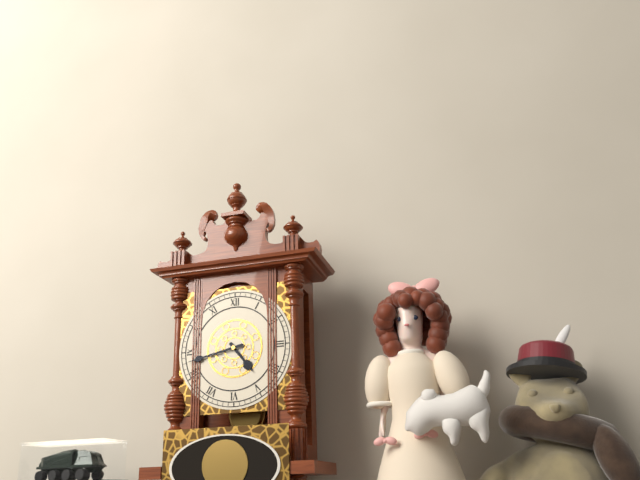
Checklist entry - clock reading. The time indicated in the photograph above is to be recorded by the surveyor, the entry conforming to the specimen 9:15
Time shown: 4:43
